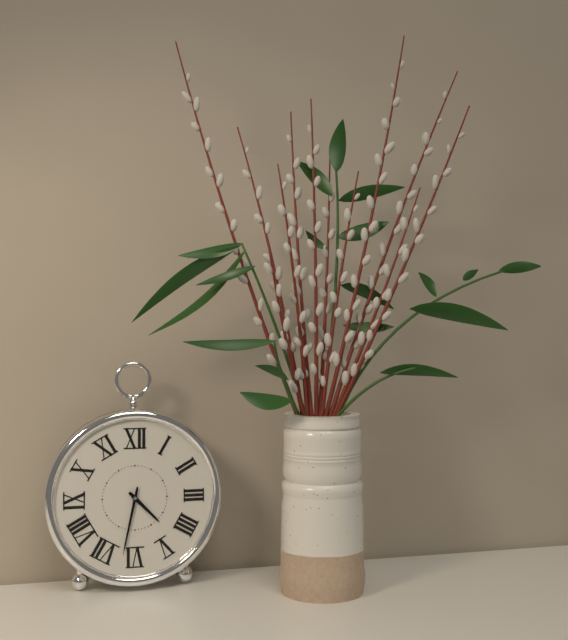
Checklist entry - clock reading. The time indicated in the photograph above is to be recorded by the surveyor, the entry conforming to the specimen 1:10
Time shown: 4:32
